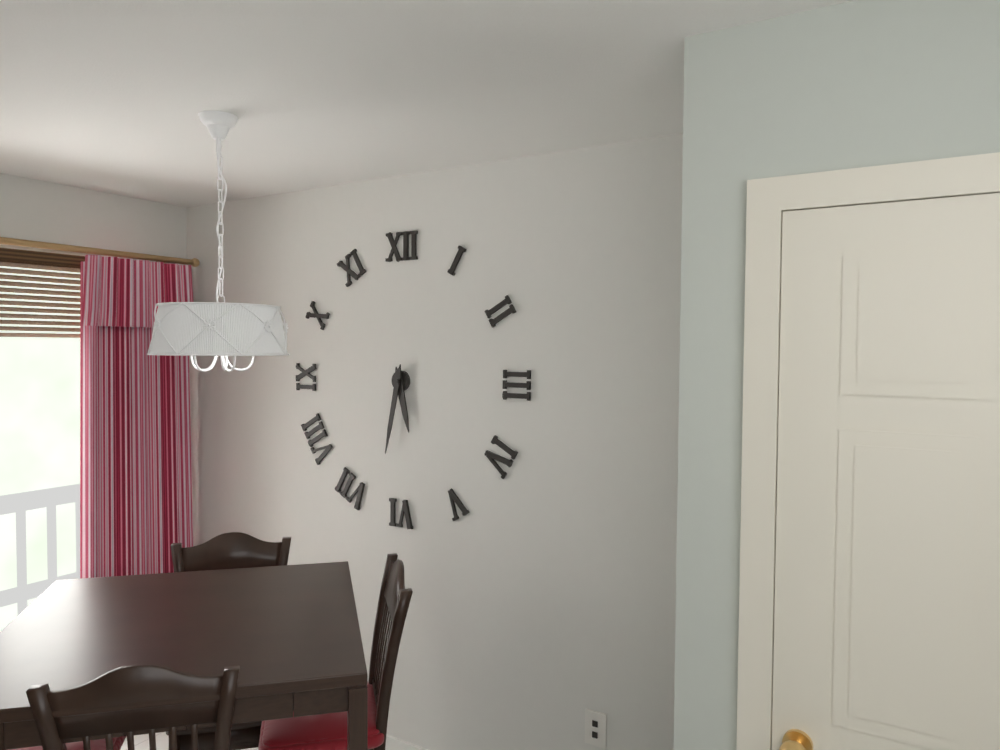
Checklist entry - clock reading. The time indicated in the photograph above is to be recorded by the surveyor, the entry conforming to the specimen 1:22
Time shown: 5:32
